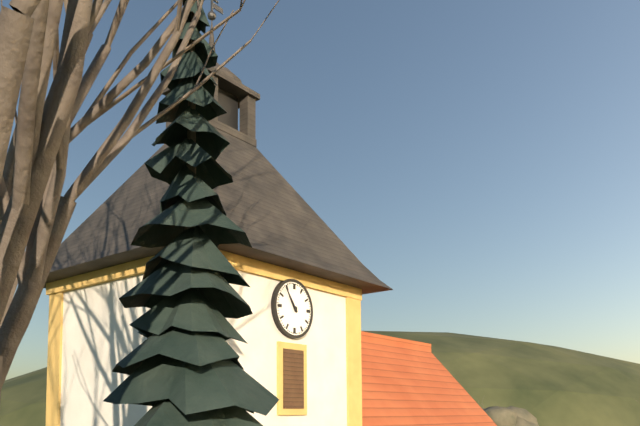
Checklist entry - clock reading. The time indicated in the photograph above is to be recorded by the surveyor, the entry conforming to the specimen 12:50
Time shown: 10:54
